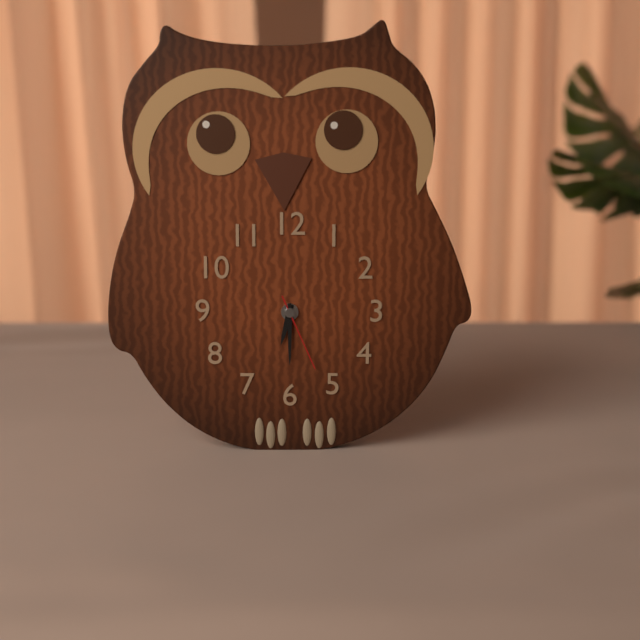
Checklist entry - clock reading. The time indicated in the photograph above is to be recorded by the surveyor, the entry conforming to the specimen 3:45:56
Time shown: 6:30:26
